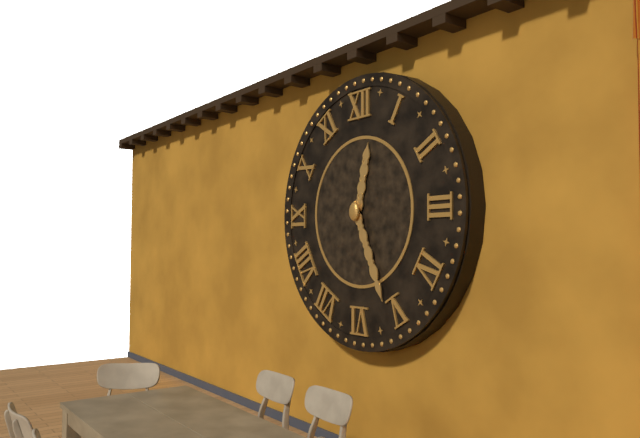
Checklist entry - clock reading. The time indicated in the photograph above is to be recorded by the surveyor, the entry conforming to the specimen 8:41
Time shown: 12:26
